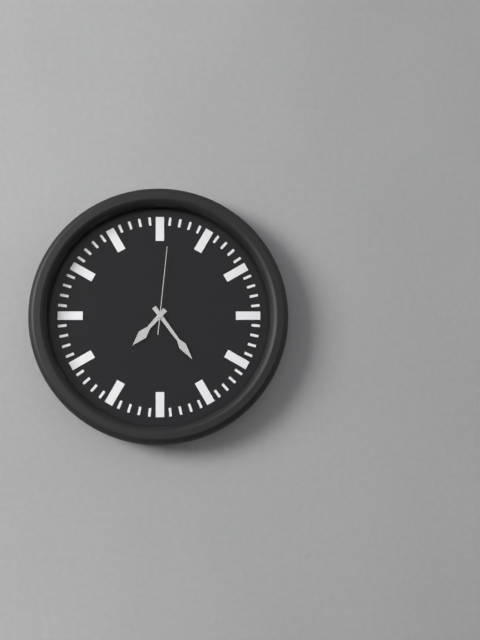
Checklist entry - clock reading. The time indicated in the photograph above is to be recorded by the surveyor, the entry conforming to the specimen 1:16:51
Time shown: 7:24:01
